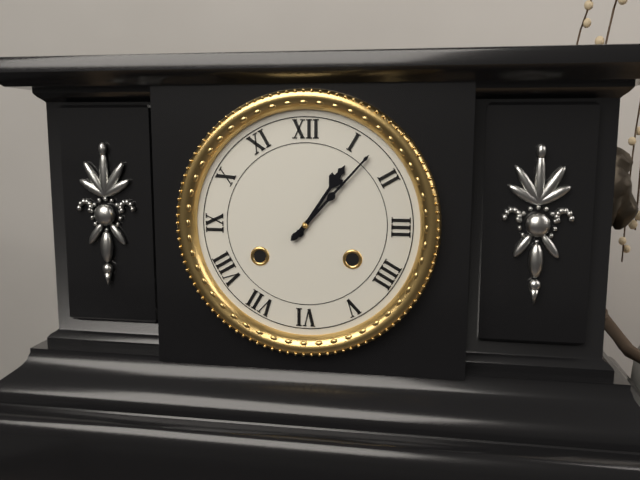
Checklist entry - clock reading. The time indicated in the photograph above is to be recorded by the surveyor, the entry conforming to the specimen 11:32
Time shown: 1:07
